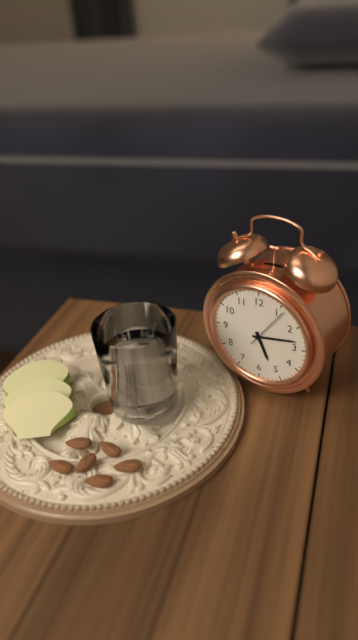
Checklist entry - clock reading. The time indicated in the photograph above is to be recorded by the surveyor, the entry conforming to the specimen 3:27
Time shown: 5:13
